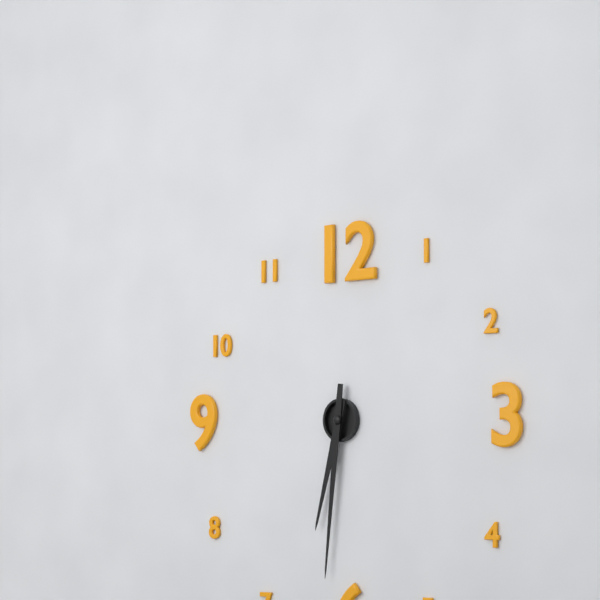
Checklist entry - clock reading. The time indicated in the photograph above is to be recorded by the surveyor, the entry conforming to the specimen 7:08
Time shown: 6:31
